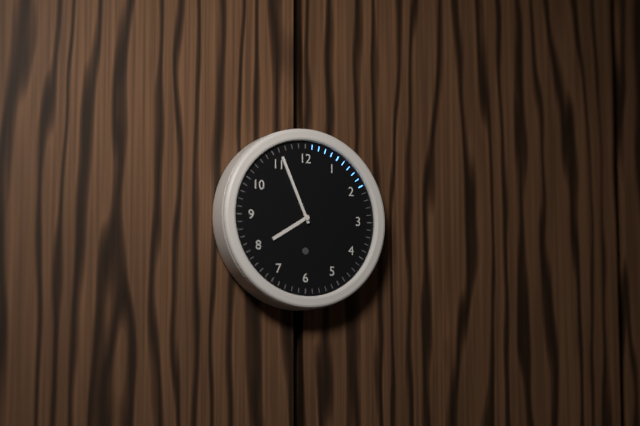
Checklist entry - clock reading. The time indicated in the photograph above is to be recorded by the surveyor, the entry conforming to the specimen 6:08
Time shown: 7:56
